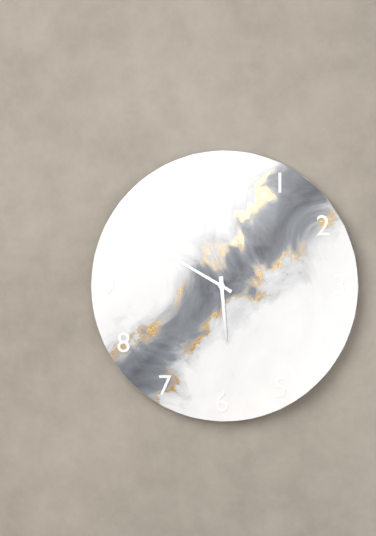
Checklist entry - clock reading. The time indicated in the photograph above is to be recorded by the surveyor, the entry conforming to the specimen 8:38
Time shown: 5:50
